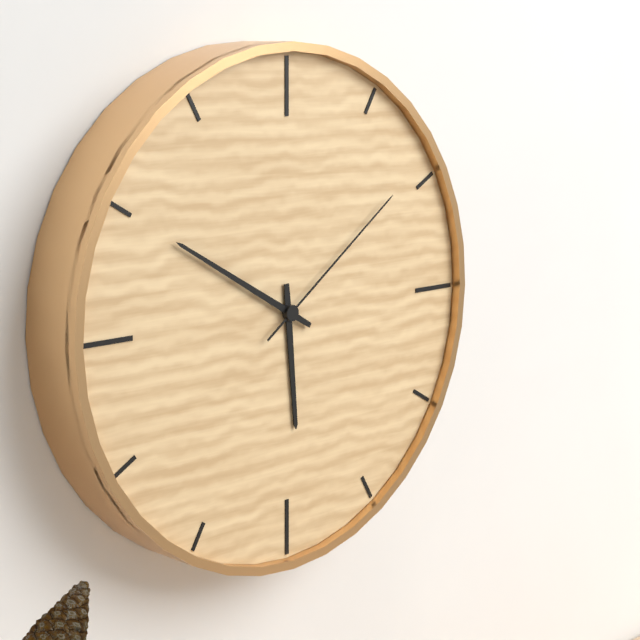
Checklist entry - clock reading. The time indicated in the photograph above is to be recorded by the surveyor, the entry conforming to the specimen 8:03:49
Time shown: 5:50:09
